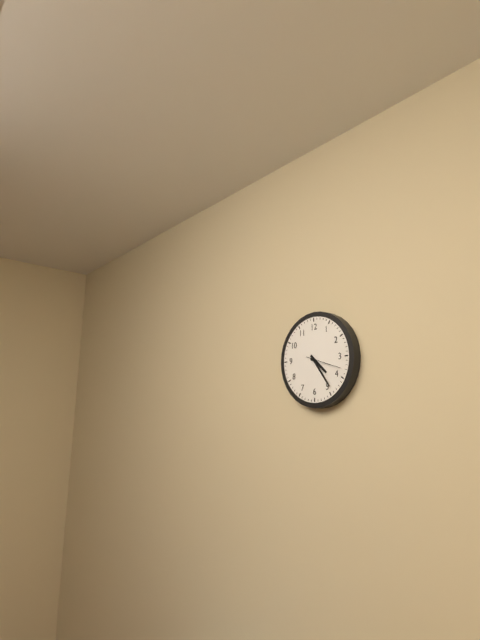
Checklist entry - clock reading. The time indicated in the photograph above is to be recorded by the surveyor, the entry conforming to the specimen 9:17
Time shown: 4:24
